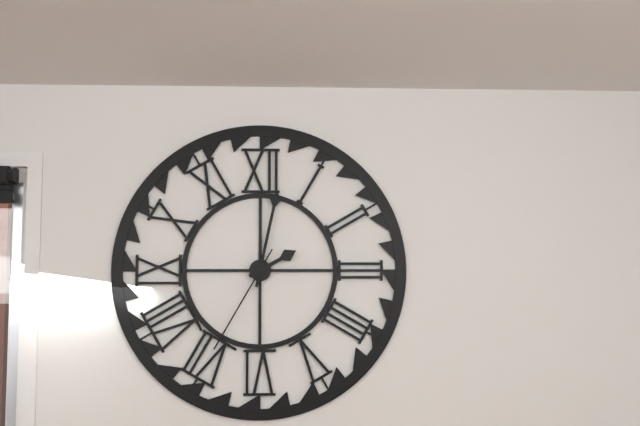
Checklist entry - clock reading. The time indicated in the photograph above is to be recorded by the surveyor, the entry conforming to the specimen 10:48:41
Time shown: 2:02:35
